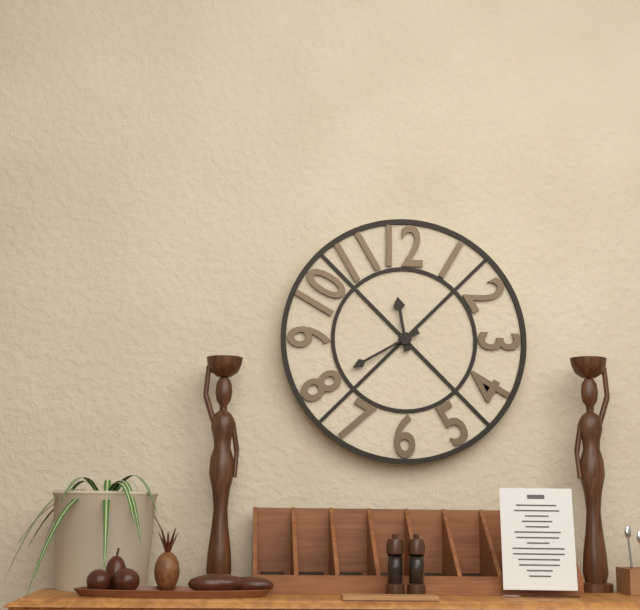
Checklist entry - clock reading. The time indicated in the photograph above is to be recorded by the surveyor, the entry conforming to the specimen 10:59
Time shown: 11:40
